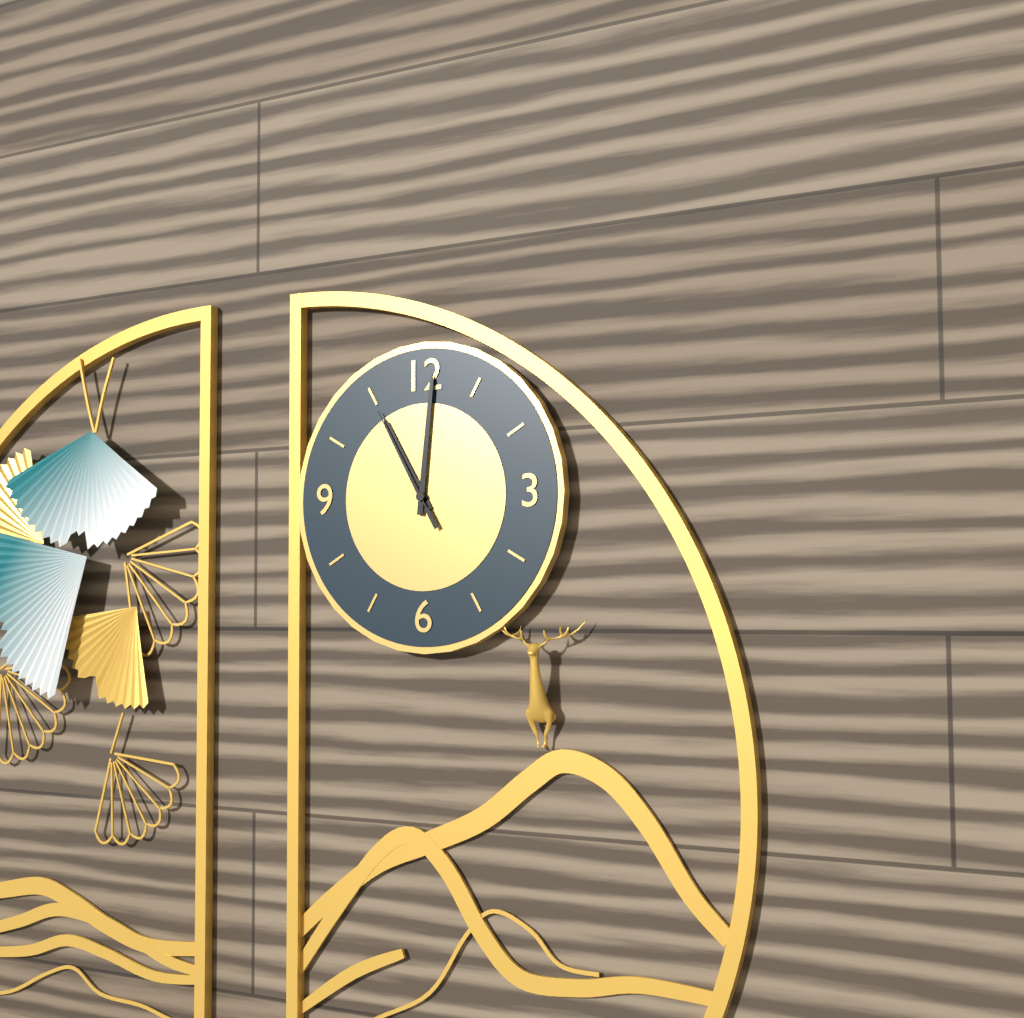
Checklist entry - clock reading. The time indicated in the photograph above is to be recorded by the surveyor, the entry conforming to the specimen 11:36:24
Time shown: 11:01:55
